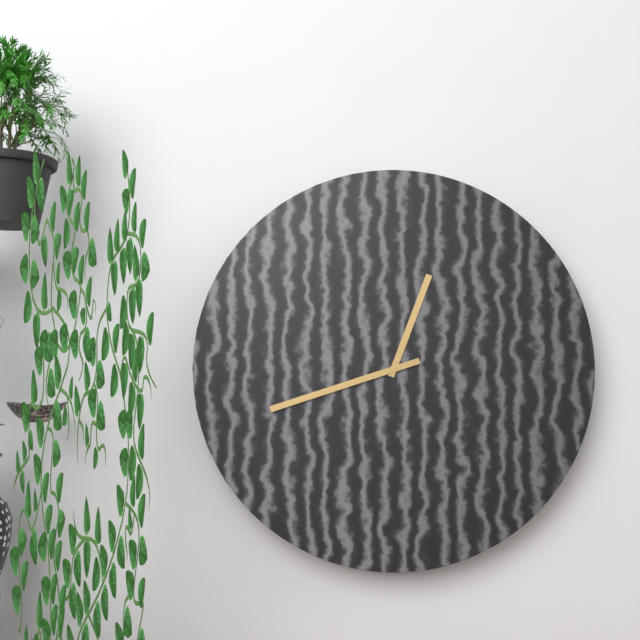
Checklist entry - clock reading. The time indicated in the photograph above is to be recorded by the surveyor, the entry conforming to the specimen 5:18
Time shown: 12:42
